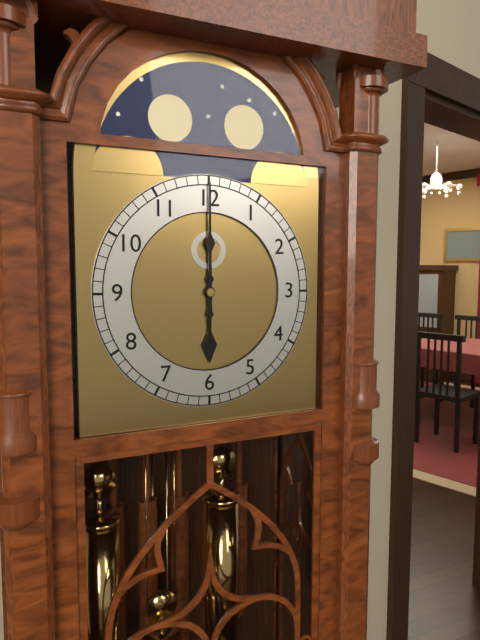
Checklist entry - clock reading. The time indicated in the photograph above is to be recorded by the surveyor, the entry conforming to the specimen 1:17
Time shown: 6:00
